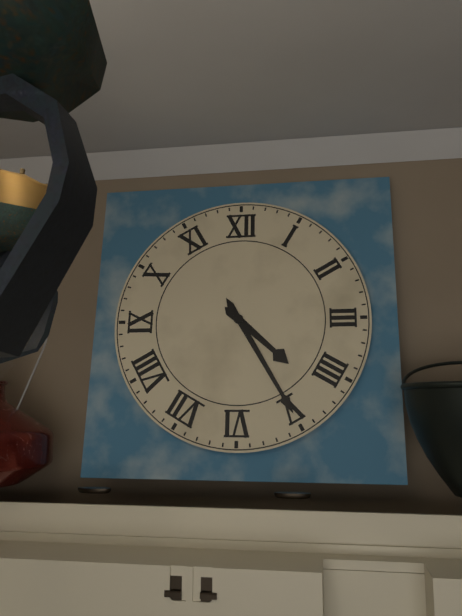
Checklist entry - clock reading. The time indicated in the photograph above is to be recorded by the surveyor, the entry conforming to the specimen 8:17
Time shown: 4:25
